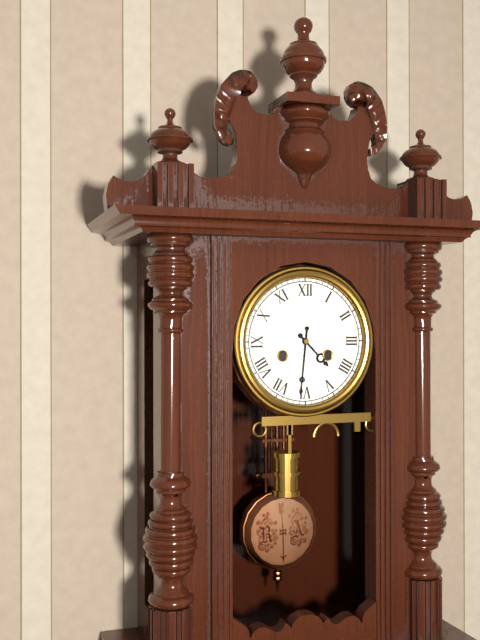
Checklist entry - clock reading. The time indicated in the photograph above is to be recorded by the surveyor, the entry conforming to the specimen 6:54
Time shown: 4:31
